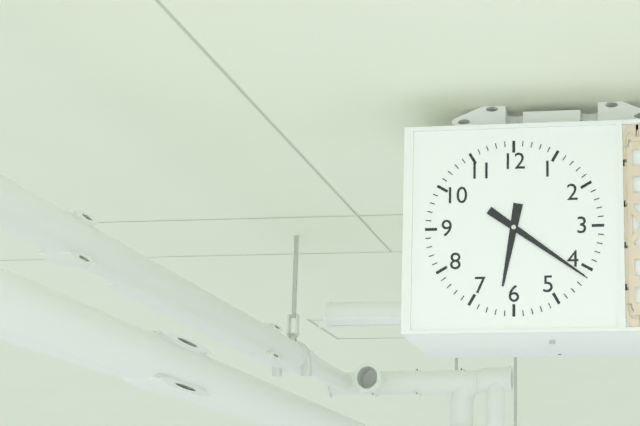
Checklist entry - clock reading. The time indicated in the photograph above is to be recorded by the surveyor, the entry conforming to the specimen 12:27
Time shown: 6:21
